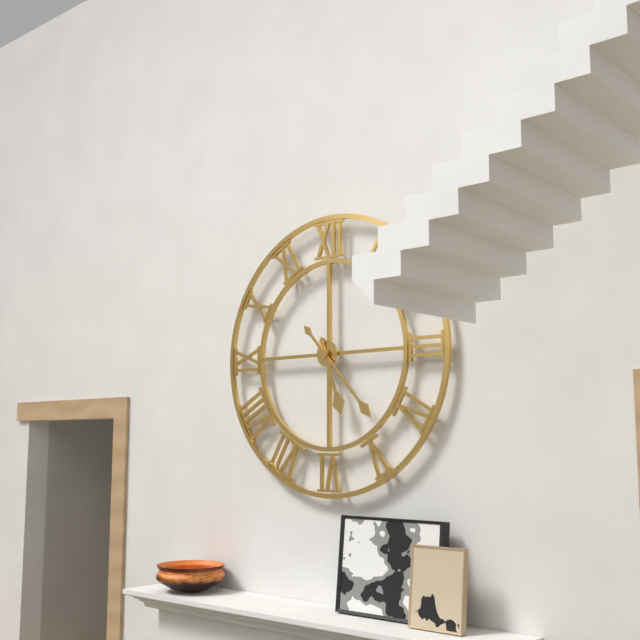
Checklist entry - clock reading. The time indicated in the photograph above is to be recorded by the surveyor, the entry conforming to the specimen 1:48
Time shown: 5:23
